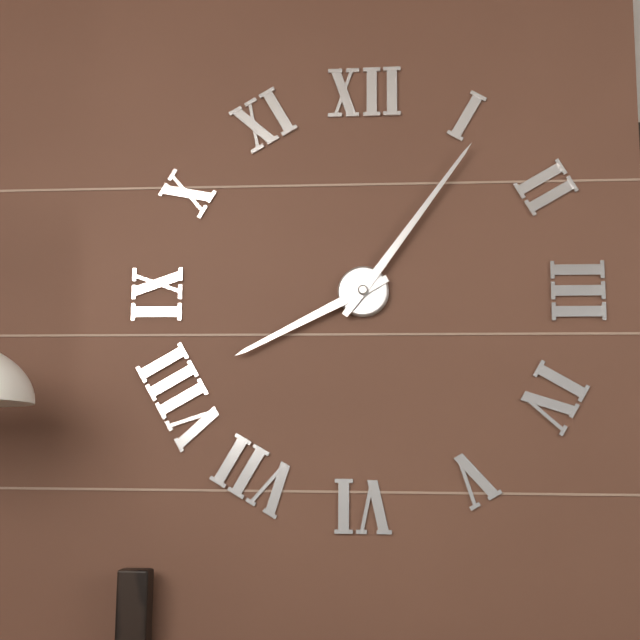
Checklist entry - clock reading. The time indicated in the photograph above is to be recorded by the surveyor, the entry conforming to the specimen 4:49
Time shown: 8:06
